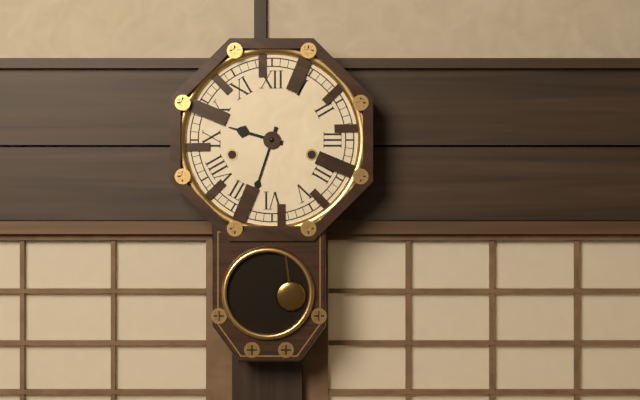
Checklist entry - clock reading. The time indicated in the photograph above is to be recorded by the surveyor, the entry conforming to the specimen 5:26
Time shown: 9:33
